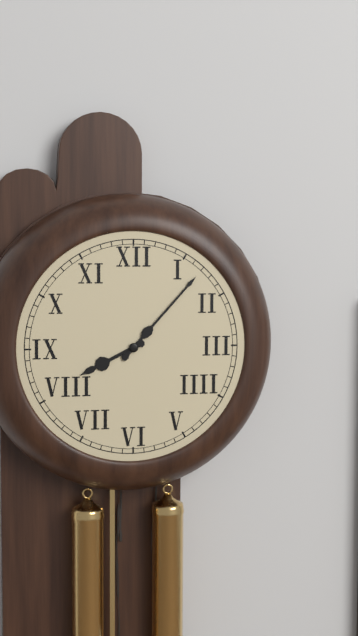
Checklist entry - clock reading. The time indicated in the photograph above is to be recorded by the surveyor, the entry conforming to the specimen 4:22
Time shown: 8:07
